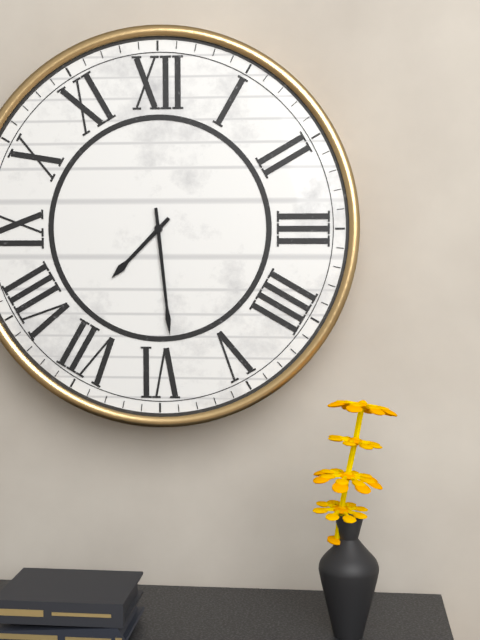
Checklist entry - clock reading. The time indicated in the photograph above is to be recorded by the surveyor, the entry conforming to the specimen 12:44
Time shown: 7:29
